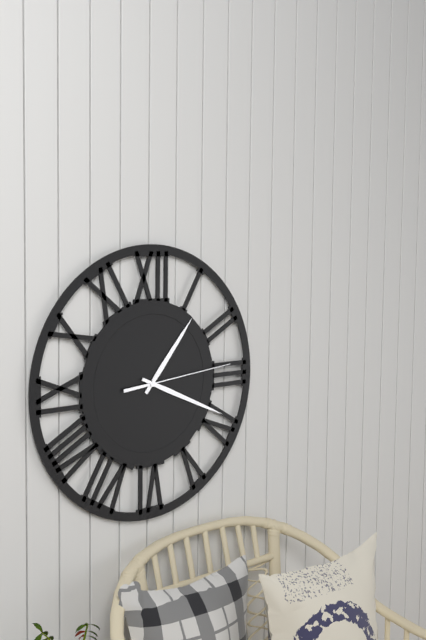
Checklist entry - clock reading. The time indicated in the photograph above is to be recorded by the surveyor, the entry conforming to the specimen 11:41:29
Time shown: 1:19:14
